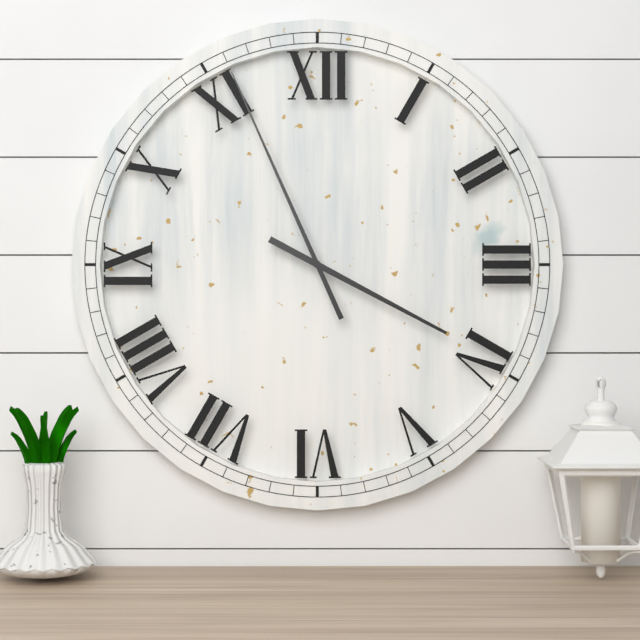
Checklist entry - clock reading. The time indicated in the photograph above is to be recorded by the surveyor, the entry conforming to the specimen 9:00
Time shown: 3:56
